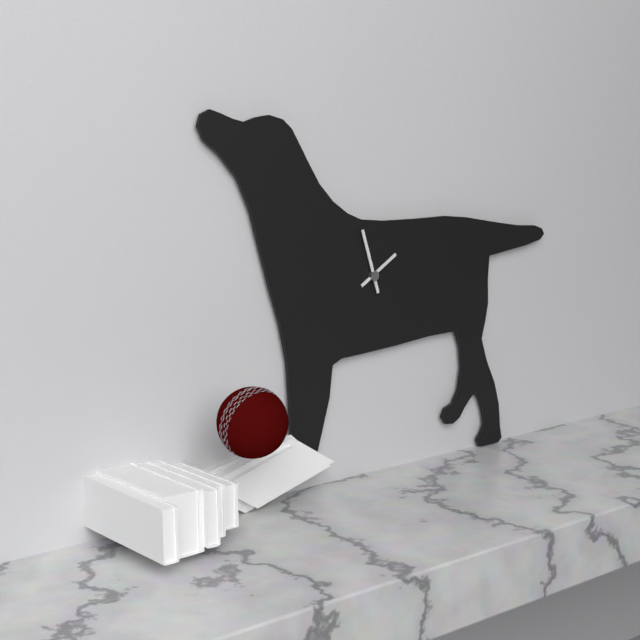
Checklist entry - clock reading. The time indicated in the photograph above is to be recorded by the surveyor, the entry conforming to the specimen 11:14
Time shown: 1:57
